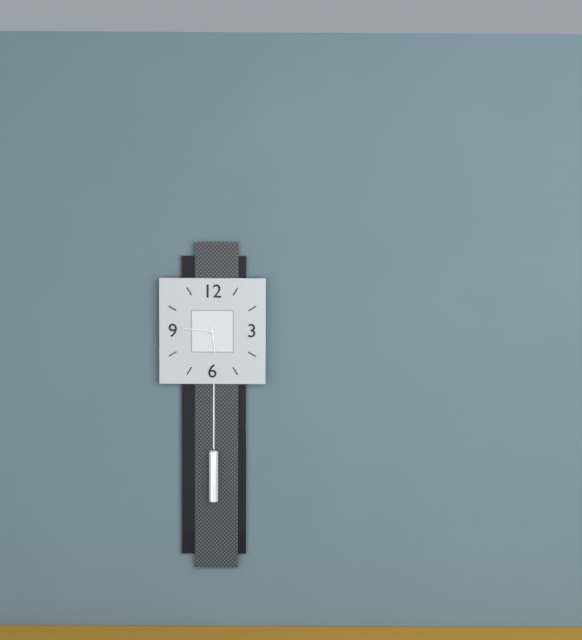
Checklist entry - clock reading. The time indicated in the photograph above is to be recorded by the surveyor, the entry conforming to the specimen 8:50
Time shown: 5:46
